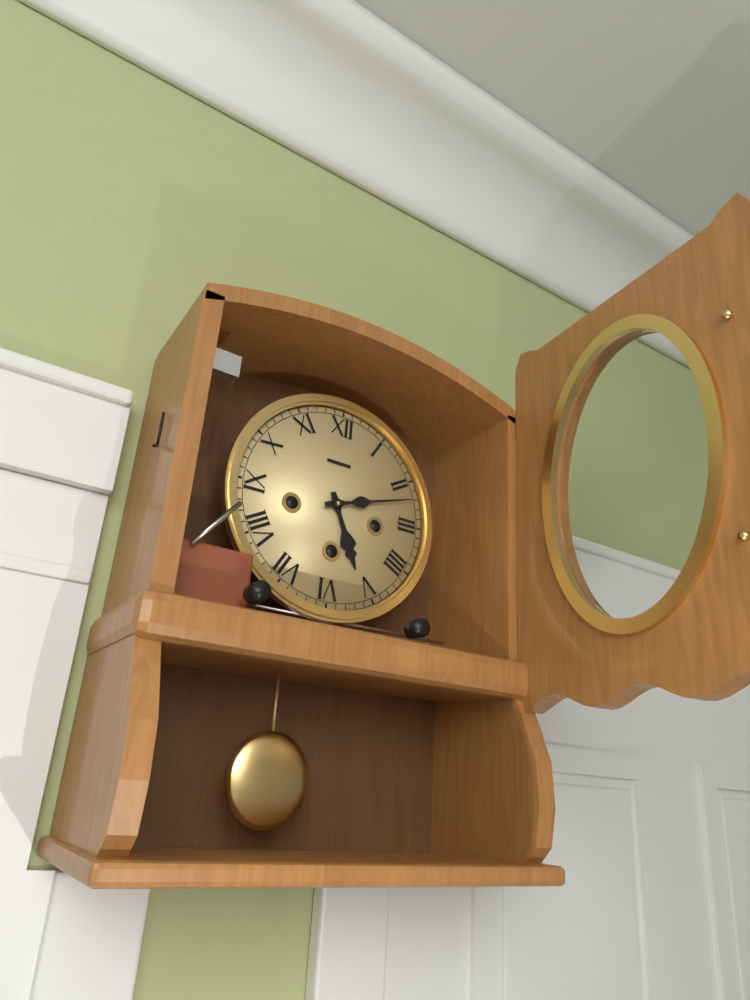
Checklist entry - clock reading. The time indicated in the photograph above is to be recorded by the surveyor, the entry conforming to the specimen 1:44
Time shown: 5:12
